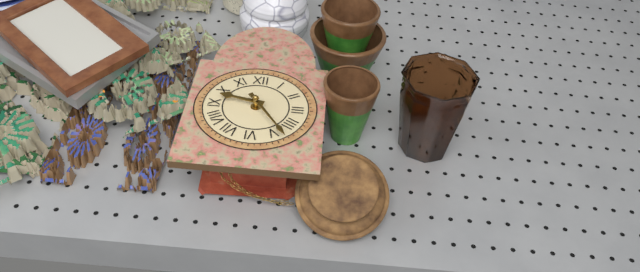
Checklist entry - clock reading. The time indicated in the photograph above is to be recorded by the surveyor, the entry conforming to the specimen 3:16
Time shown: 9:24
